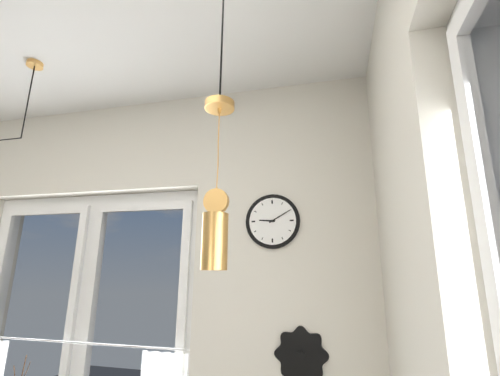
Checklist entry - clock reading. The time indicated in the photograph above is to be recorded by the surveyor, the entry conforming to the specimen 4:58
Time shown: 9:10
